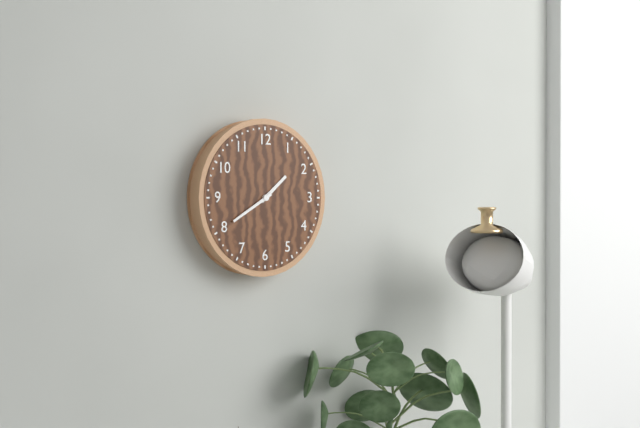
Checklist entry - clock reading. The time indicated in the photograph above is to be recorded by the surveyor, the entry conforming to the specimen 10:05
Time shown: 1:40
